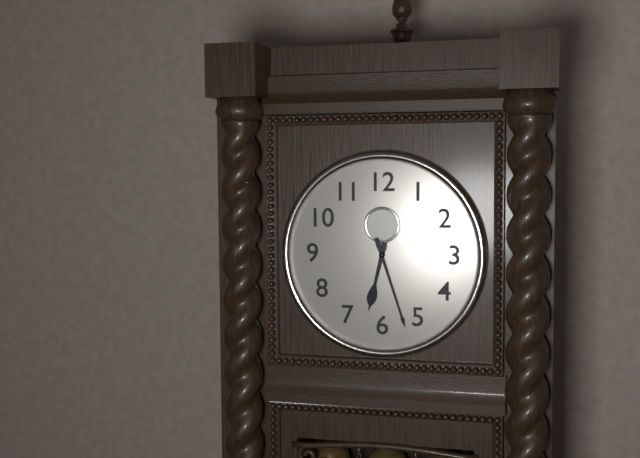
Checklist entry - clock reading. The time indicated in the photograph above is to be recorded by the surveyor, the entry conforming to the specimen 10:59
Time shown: 6:27
